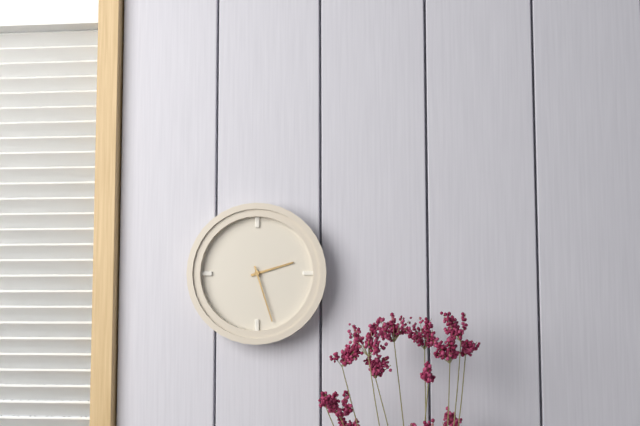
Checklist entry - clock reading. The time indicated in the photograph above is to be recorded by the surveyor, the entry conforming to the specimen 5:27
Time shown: 2:27
